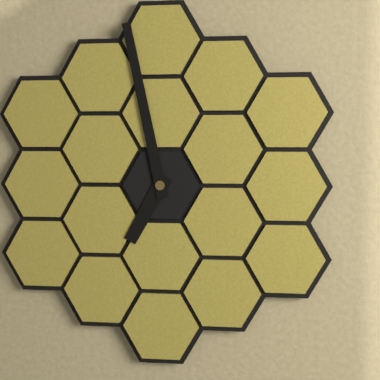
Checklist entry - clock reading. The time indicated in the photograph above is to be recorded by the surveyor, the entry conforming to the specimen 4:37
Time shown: 6:58
